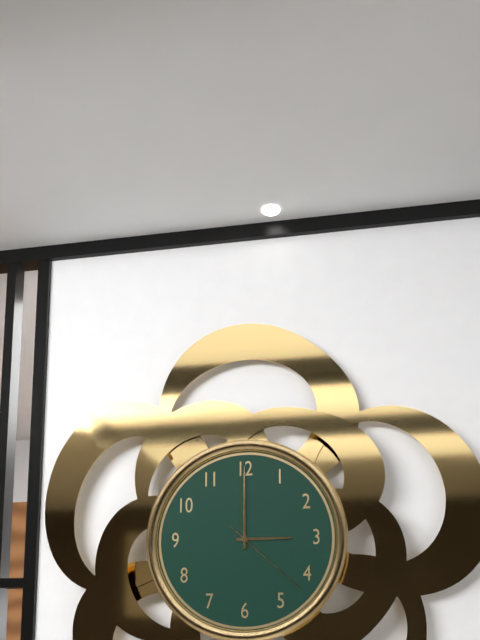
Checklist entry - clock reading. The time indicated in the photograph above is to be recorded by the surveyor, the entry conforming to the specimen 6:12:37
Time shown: 3:00:22
